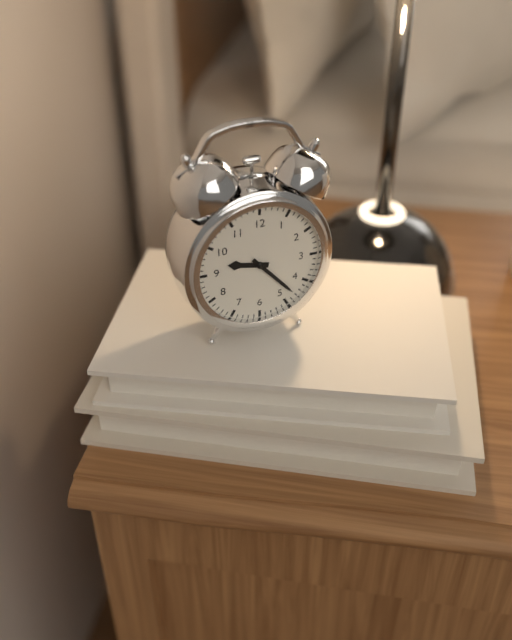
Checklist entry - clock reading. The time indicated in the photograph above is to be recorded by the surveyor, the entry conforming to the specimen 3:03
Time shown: 9:23
